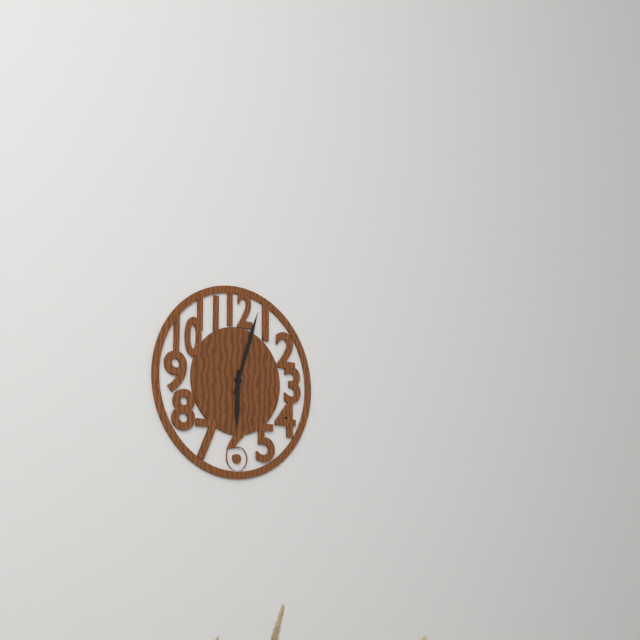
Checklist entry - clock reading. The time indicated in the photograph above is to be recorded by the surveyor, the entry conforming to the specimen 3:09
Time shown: 6:03
